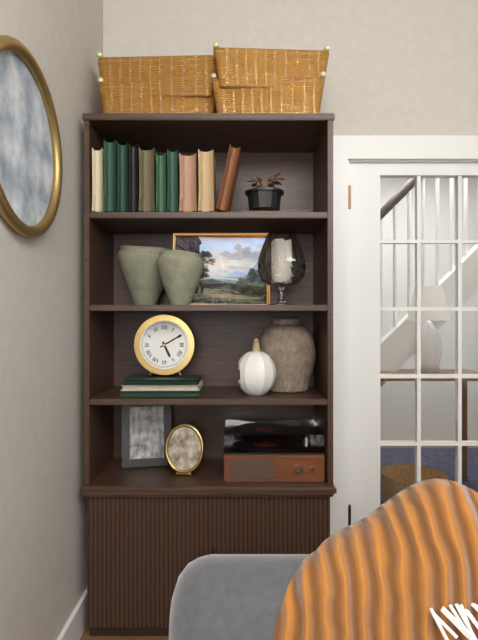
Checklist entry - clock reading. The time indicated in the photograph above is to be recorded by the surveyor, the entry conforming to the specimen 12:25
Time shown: 5:10
